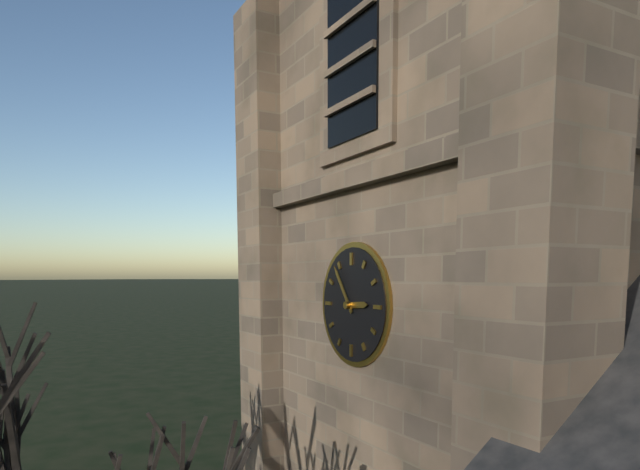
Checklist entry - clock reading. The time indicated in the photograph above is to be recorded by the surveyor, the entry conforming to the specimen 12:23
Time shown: 2:54
